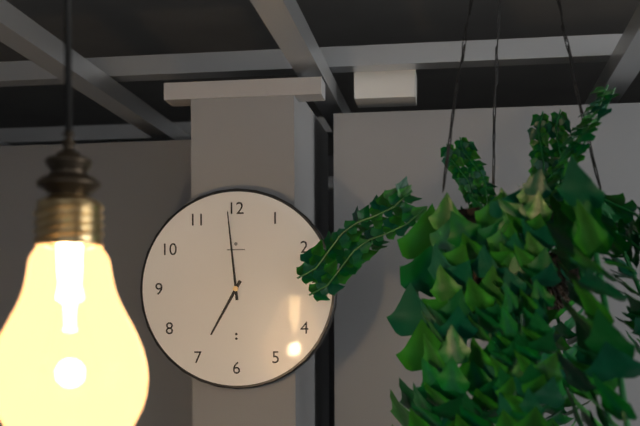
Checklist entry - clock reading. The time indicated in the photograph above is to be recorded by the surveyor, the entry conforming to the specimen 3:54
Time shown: 6:59
